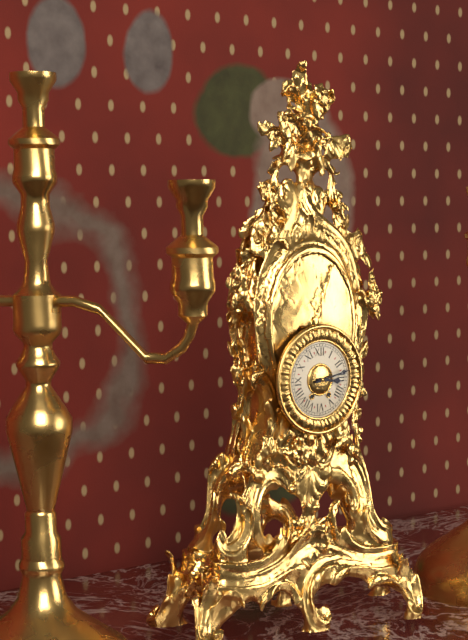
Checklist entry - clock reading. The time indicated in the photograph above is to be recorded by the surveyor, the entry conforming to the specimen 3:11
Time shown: 3:13
